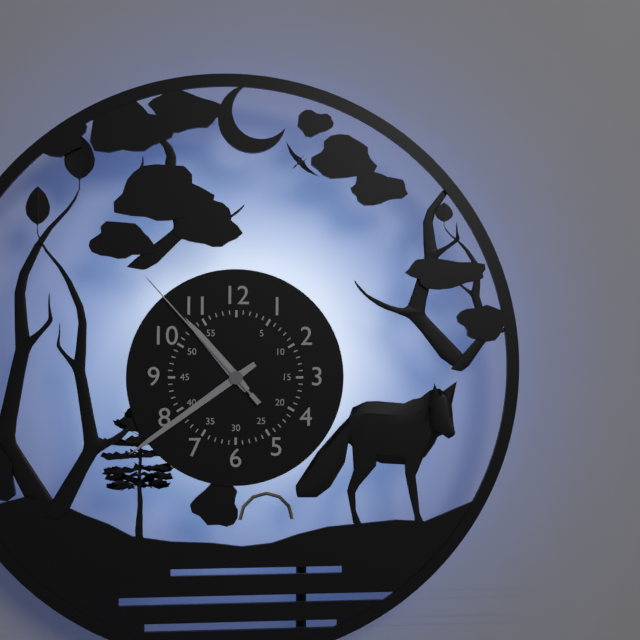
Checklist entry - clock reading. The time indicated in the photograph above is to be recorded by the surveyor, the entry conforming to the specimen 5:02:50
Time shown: 10:39:53
